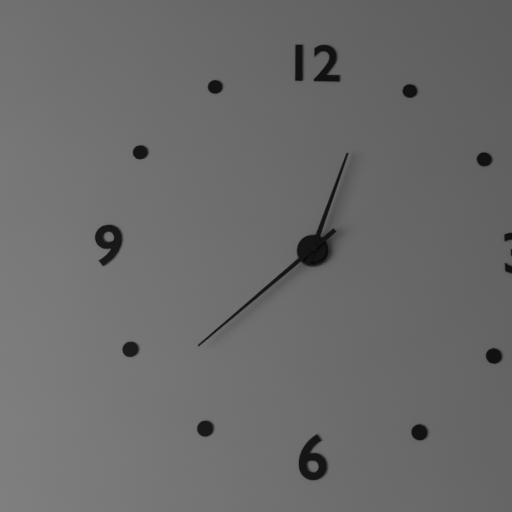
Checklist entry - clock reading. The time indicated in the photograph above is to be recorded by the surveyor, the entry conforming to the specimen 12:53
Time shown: 12:38
